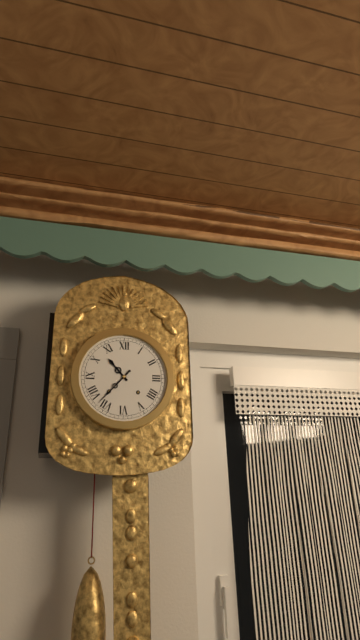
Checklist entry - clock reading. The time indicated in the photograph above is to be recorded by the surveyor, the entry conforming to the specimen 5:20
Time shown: 10:37
